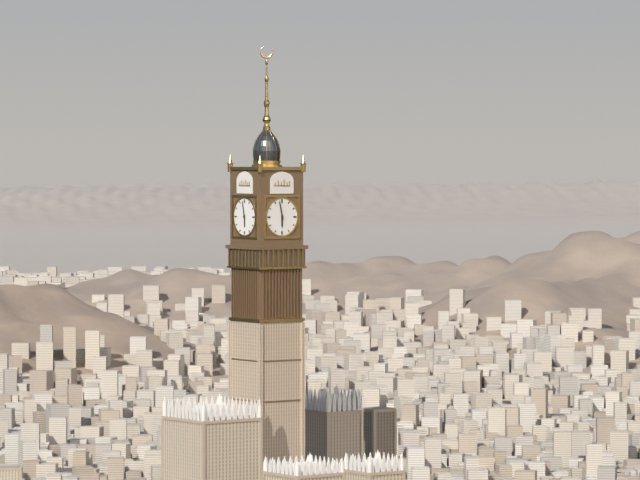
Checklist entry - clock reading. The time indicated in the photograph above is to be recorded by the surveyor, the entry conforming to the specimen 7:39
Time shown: 5:58
